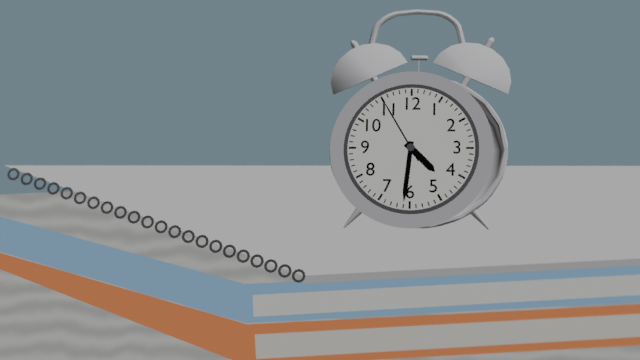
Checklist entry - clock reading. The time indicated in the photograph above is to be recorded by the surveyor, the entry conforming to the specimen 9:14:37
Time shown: 4:31:55
